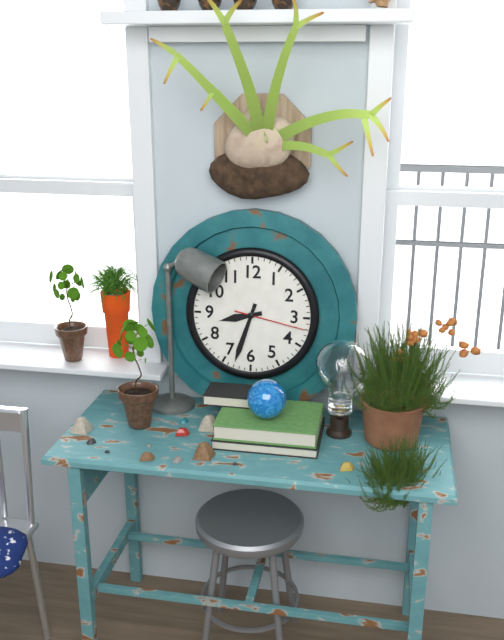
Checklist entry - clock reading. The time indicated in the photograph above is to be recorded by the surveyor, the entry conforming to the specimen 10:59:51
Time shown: 8:33:17
